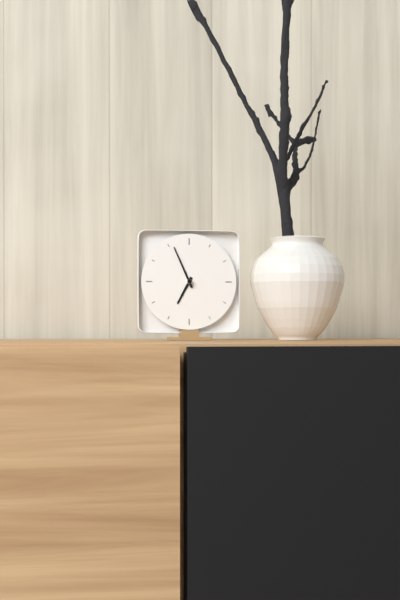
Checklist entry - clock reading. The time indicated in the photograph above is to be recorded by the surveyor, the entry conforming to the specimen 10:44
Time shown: 6:56
